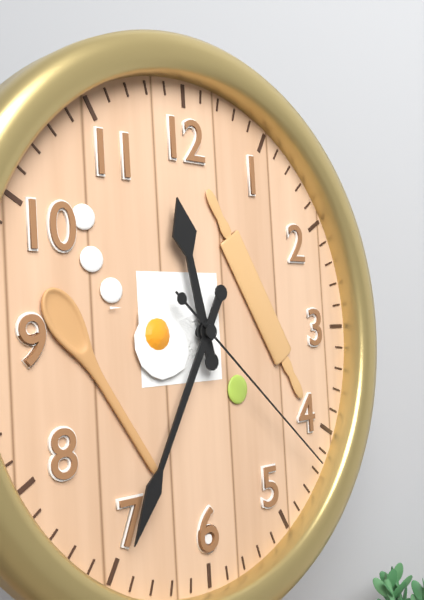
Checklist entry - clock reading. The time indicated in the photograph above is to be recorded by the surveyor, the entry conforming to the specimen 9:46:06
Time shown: 11:35:22
